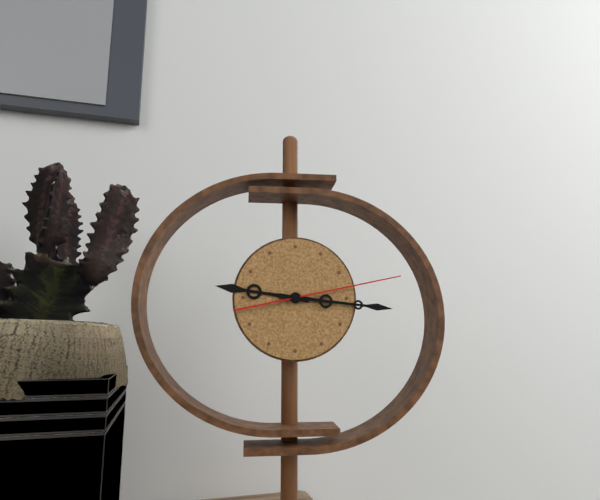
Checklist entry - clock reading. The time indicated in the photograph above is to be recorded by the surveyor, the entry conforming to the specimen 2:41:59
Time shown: 9:16:13
